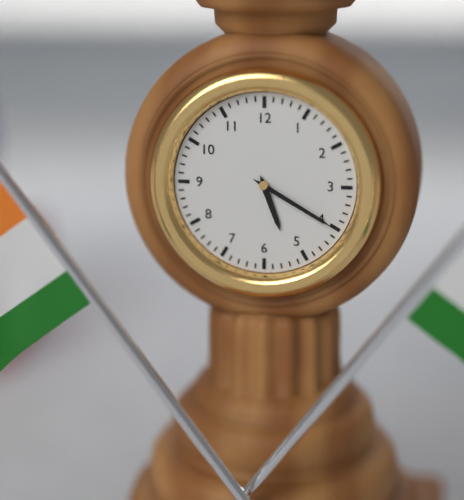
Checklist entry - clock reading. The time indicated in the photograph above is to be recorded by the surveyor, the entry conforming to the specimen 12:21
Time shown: 5:20
